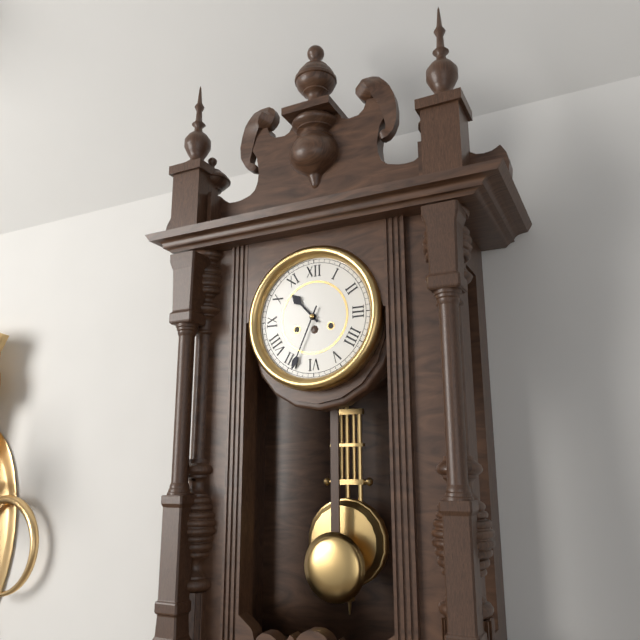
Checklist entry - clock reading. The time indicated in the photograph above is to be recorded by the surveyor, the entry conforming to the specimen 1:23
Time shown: 10:34
